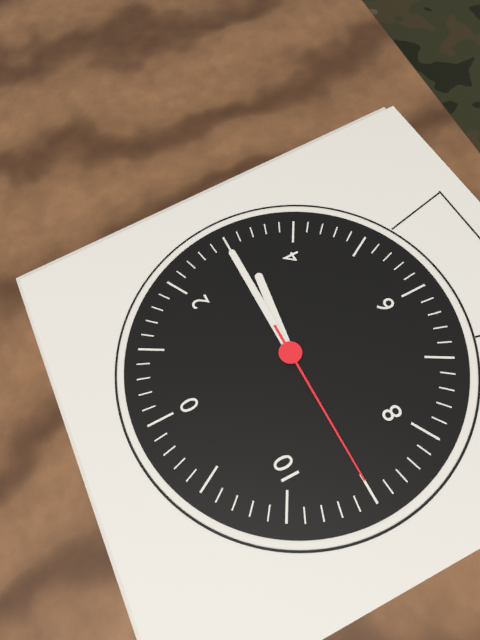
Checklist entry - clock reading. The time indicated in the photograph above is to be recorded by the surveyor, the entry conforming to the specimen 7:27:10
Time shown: 3:15:45
